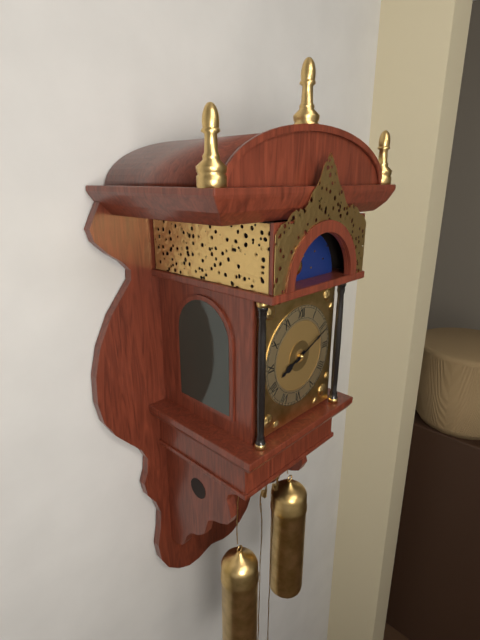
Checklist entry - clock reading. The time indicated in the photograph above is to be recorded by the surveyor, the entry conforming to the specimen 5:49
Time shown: 8:11
